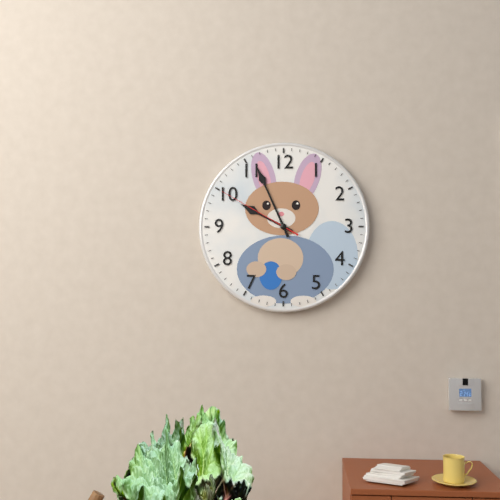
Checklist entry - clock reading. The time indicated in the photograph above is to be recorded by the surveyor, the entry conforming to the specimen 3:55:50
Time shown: 9:56:50
